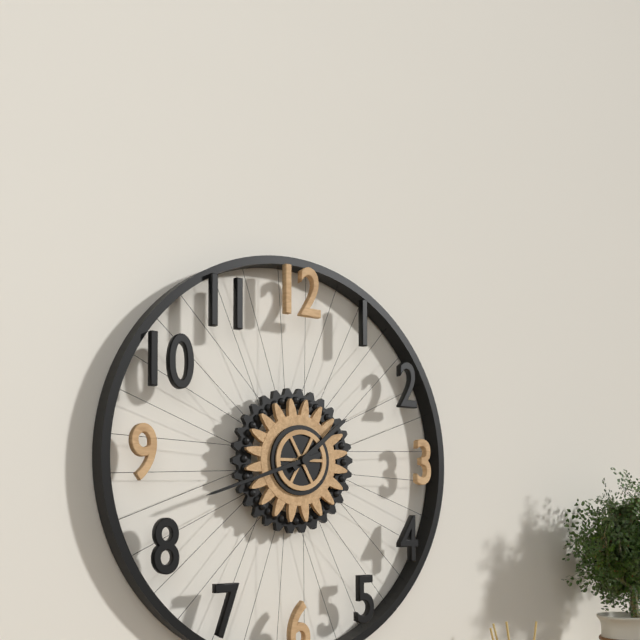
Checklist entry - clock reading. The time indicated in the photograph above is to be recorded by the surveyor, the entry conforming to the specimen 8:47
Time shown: 1:42
